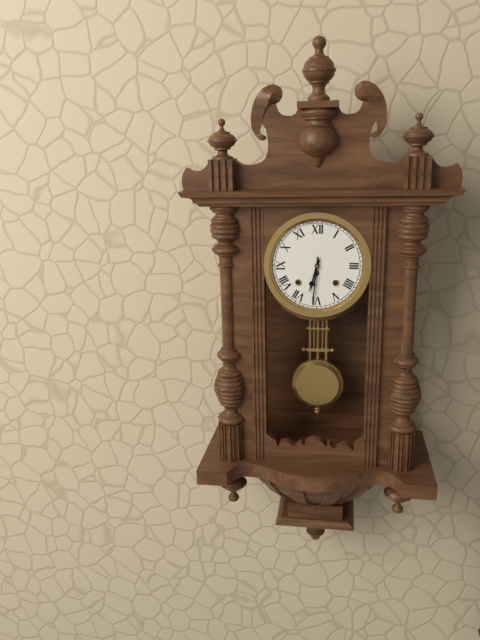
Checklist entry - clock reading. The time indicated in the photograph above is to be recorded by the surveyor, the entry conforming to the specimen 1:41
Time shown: 6:31
